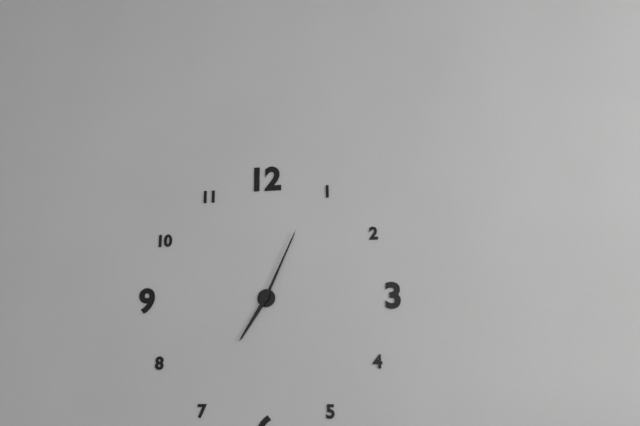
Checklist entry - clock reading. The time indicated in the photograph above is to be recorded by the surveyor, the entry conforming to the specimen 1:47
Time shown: 7:04
